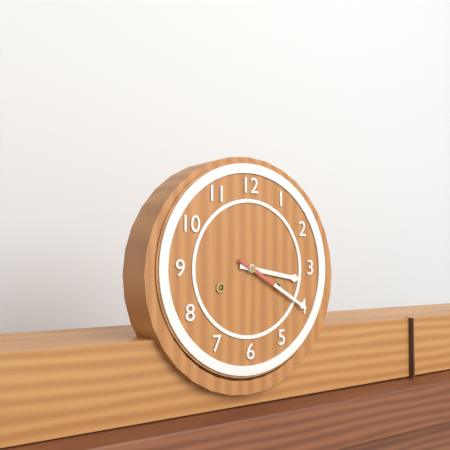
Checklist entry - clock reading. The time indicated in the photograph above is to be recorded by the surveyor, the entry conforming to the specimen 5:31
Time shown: 3:20
